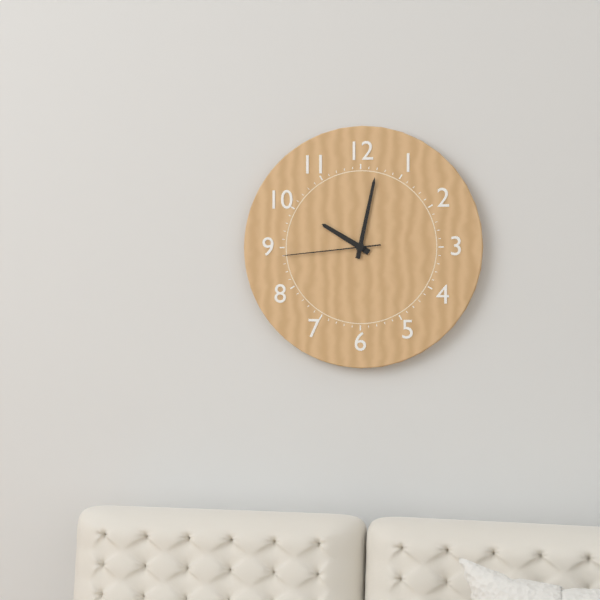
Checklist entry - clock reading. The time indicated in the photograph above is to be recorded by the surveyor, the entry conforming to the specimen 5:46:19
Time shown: 10:02:44
